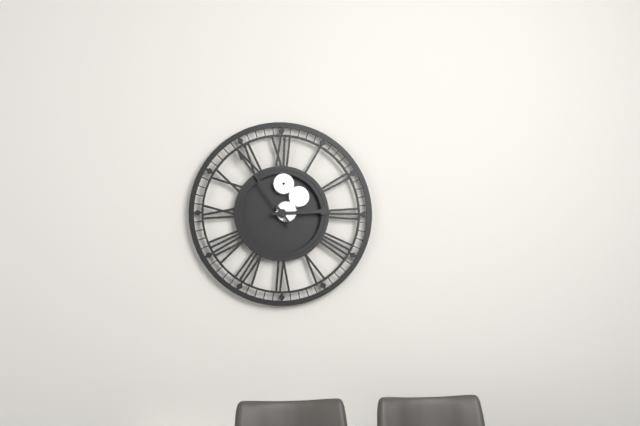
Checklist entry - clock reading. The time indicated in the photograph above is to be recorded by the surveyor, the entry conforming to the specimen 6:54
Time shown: 2:54
